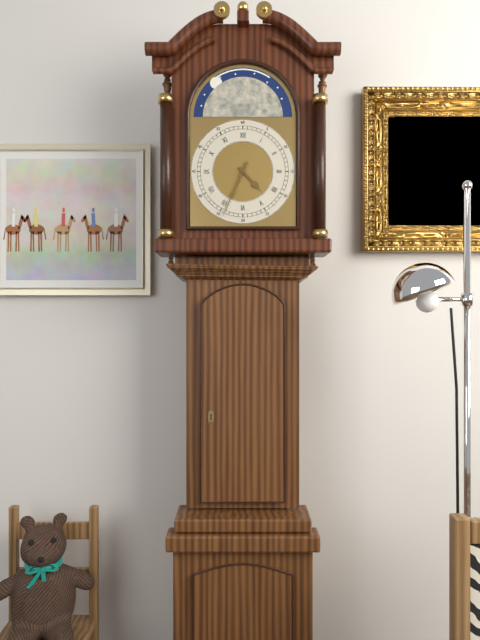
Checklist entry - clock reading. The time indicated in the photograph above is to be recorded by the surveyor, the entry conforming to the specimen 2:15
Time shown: 4:34
